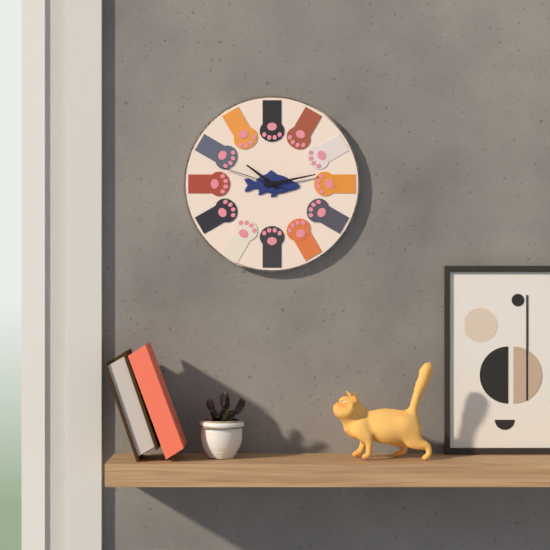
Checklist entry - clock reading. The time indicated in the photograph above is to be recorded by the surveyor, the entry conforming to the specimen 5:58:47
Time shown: 10:13:48
